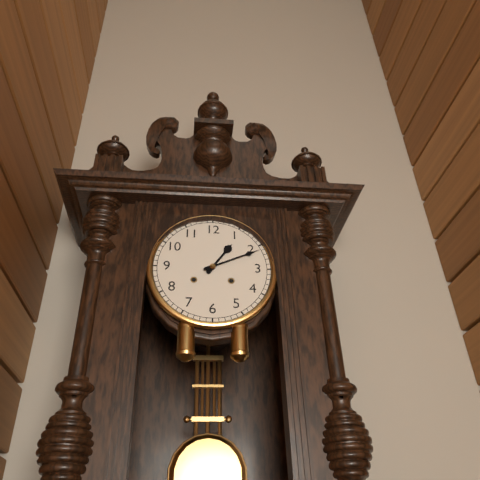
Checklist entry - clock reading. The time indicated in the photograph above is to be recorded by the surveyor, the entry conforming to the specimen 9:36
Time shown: 1:11
